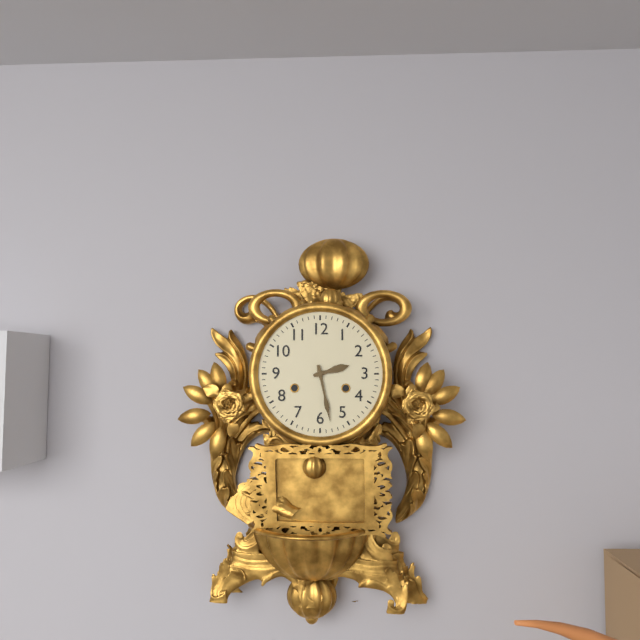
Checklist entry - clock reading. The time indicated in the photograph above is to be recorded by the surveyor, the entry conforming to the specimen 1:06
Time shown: 2:28
